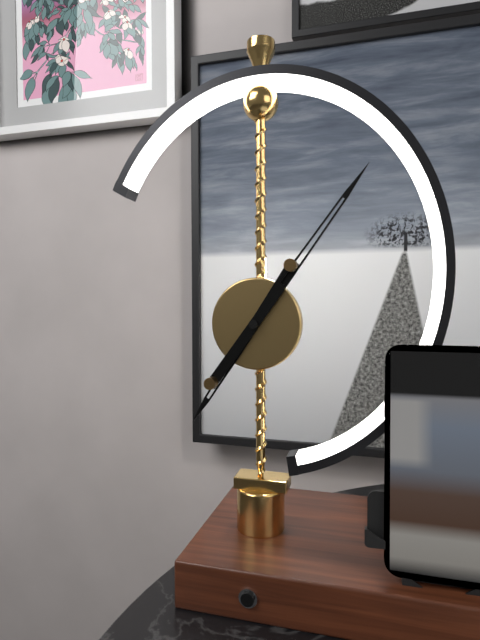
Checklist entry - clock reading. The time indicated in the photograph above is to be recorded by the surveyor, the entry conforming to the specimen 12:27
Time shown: 7:06
